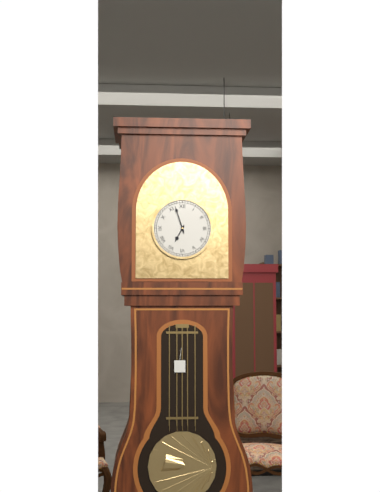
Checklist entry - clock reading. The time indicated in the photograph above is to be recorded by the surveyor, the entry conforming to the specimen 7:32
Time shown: 6:57
